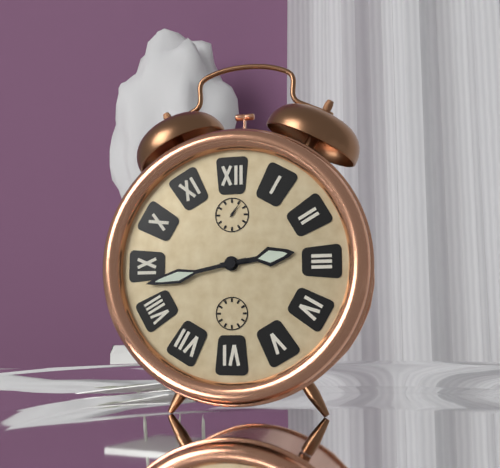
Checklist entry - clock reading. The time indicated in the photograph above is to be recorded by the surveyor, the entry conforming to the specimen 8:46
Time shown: 2:43
